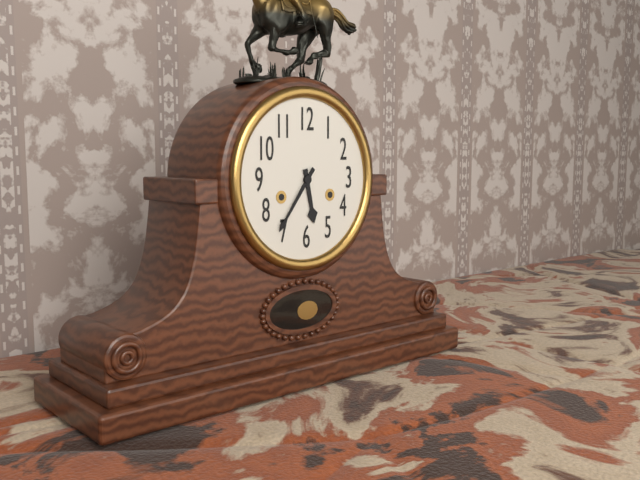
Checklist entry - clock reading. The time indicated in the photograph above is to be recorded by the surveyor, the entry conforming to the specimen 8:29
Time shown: 5:36
